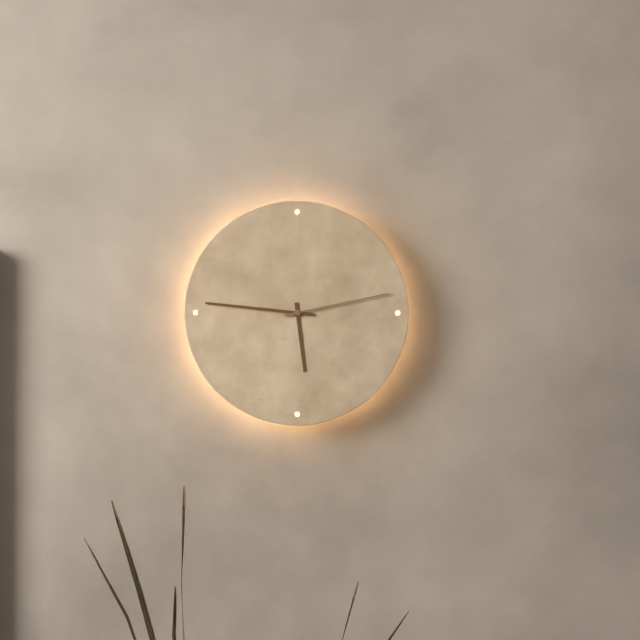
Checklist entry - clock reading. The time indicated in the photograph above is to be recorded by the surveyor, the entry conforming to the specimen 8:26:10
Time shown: 5:46:13
